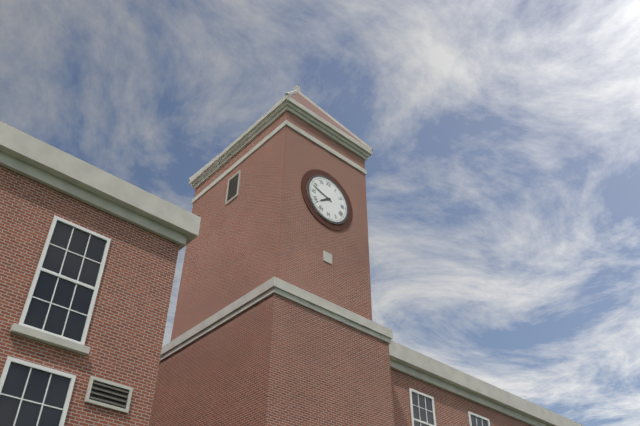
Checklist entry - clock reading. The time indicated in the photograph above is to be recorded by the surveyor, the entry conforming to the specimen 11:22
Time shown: 7:48
